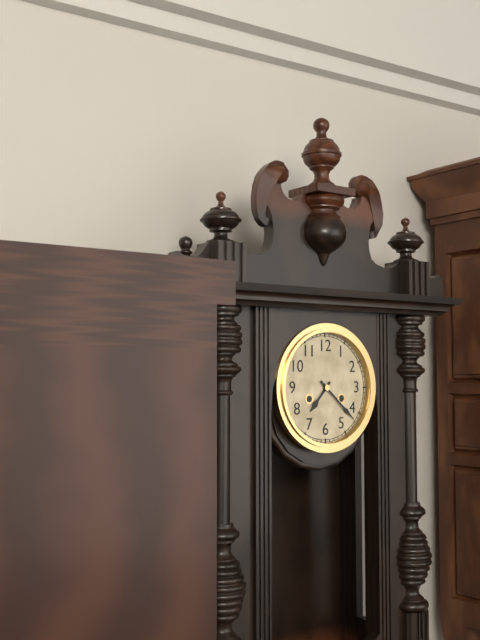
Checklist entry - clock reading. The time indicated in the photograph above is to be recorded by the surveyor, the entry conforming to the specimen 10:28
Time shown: 7:22
